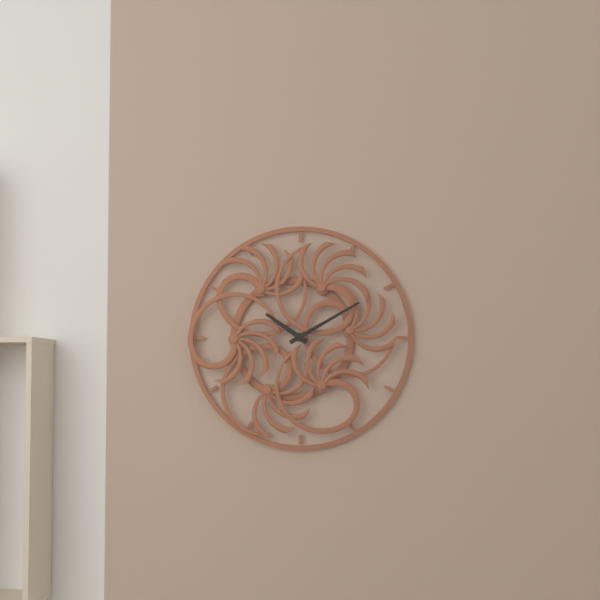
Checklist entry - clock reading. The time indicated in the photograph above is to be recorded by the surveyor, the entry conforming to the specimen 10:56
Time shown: 10:10
